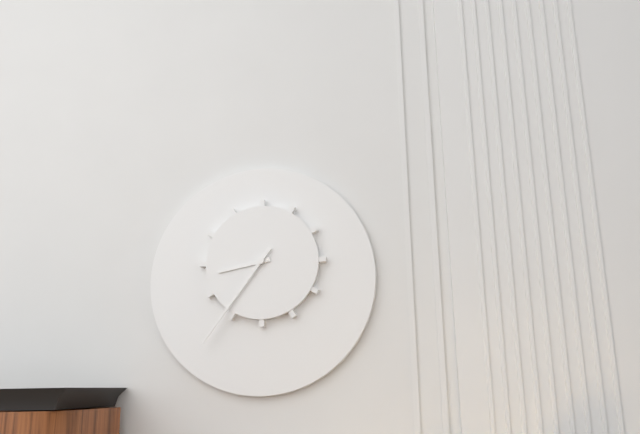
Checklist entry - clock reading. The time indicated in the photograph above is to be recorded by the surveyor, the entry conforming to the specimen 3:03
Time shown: 8:36
